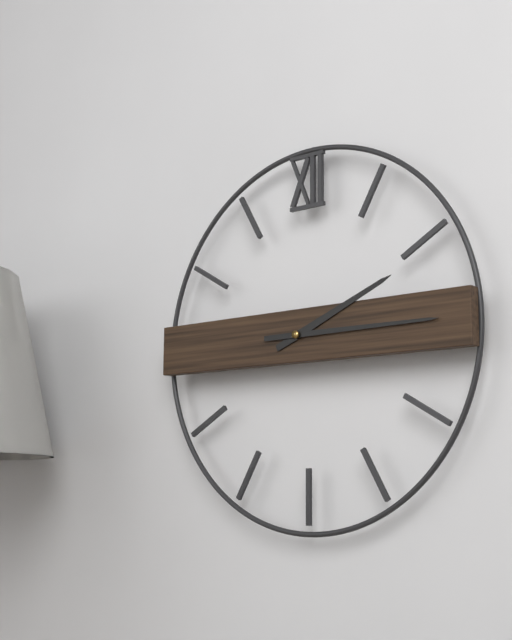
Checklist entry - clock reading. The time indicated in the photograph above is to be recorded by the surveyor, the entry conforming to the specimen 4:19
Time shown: 2:15
